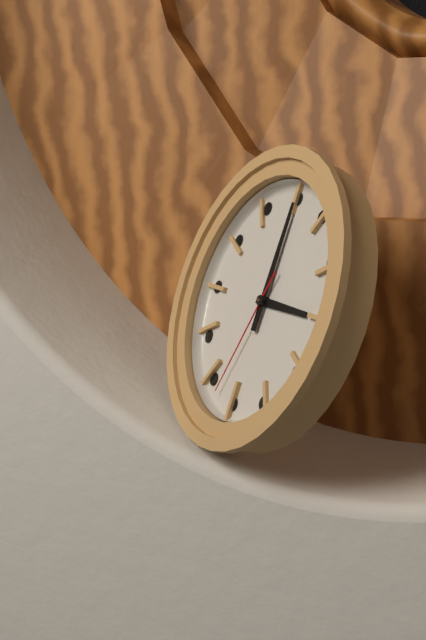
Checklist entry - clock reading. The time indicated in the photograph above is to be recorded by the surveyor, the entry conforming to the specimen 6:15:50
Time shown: 3:00:33
